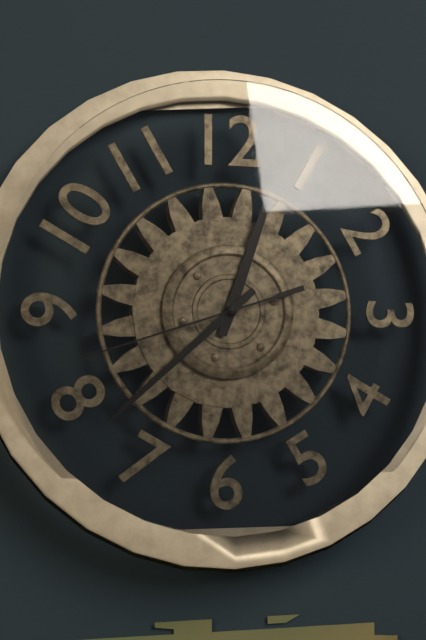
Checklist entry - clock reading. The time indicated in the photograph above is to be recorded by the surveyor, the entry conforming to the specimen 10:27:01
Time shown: 12:38:42
